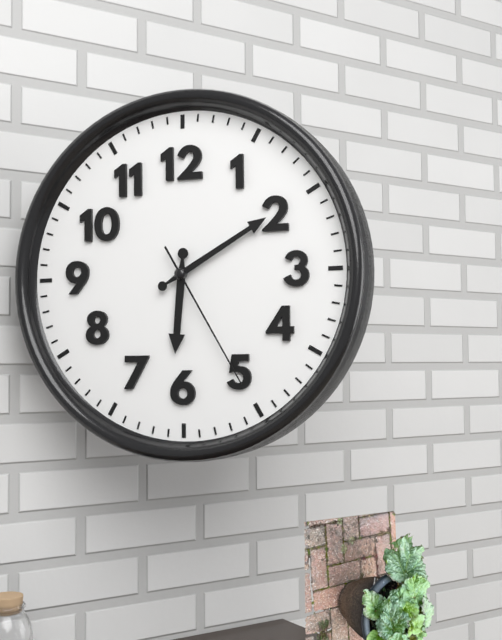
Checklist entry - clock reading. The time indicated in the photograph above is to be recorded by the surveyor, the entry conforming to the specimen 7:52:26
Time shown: 6:10:25
